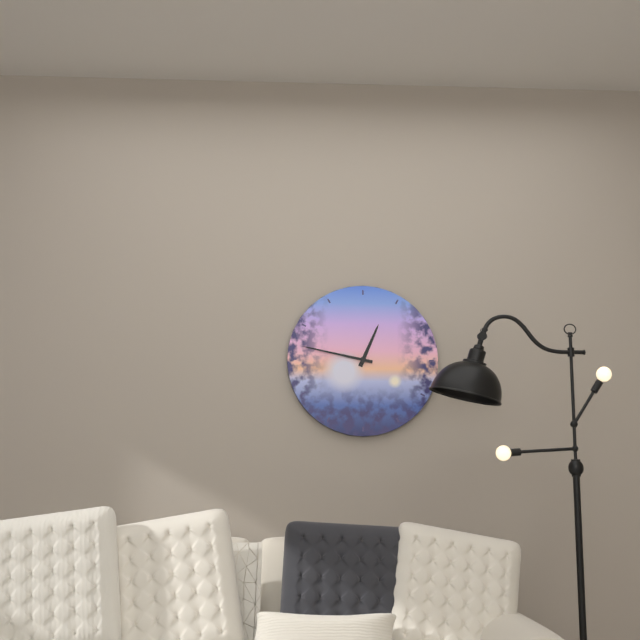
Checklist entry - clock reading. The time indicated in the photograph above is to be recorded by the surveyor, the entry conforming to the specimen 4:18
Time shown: 12:47
